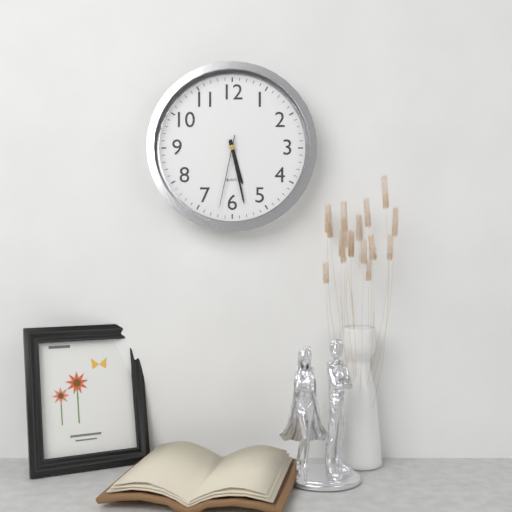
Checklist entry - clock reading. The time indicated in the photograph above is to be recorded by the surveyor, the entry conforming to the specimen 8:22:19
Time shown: 5:28:32
